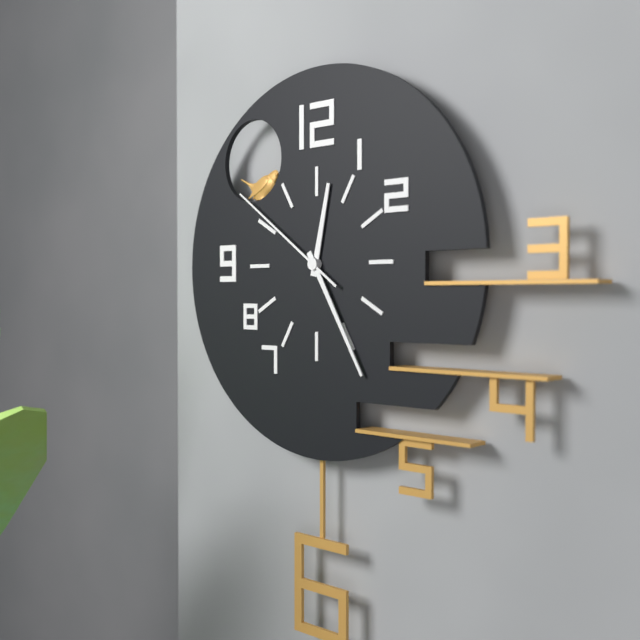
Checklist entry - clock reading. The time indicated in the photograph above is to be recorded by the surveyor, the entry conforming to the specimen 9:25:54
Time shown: 12:25:51
